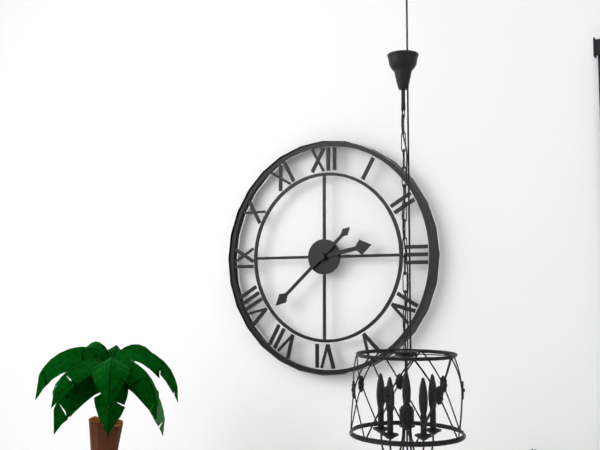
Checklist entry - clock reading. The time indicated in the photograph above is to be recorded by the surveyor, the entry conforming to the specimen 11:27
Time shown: 2:38
